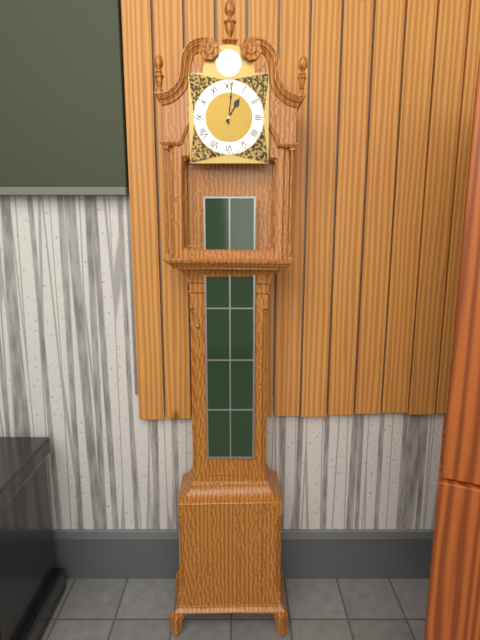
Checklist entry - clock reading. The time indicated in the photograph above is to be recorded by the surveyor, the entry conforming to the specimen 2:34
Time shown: 1:01
